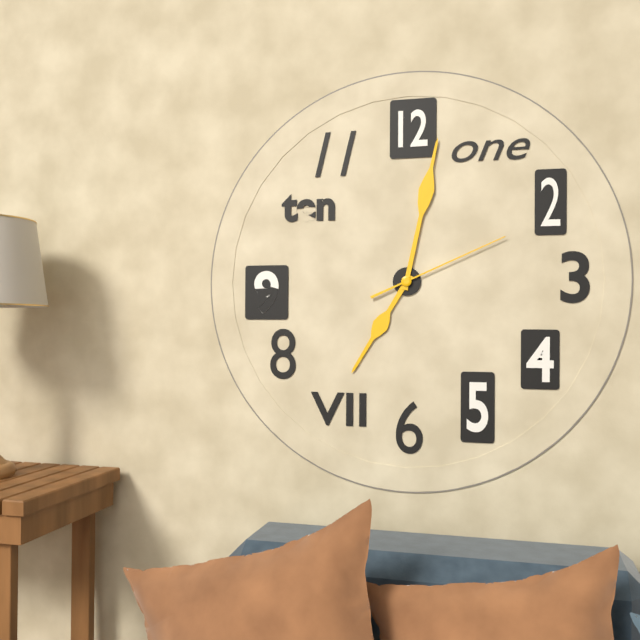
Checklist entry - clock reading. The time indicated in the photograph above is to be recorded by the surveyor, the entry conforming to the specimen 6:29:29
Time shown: 7:02:11
